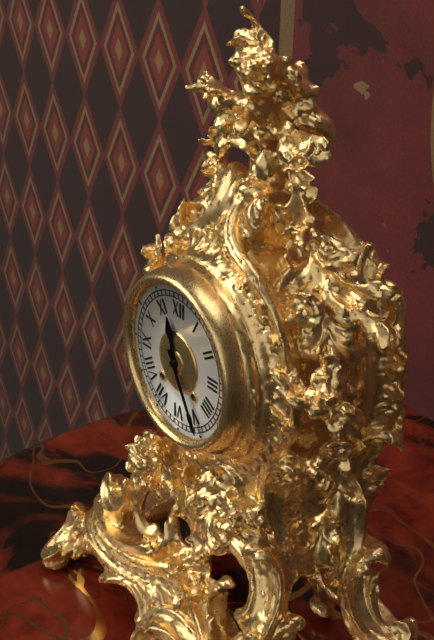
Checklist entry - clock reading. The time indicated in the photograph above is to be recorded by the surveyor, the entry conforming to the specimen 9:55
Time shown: 11:25
